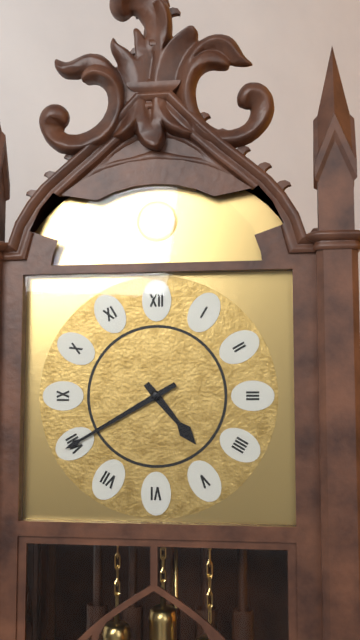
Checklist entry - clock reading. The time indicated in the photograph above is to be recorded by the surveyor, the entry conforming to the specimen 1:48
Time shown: 4:40
